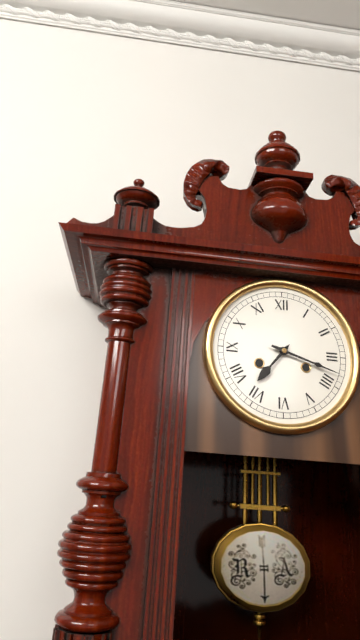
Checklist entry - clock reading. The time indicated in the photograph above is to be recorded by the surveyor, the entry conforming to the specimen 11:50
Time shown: 7:18
